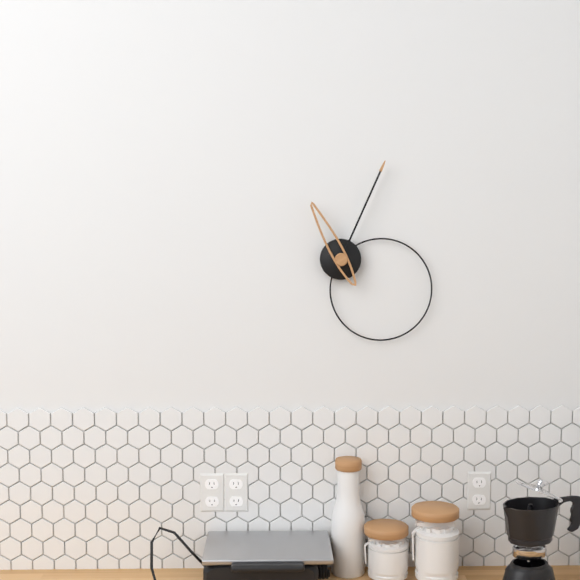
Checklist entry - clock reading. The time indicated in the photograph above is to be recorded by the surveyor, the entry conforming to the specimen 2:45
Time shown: 11:04
